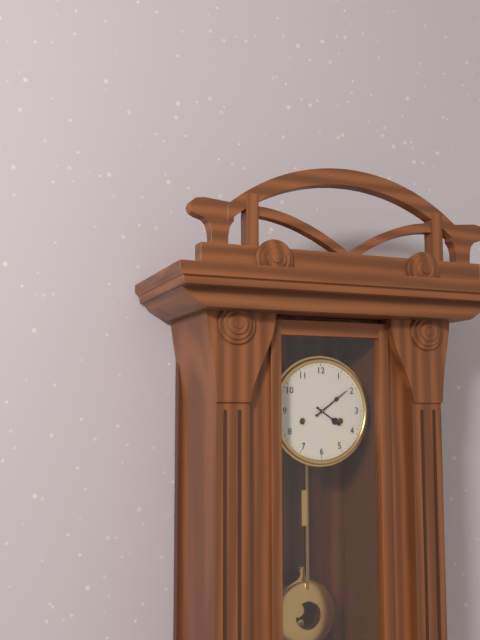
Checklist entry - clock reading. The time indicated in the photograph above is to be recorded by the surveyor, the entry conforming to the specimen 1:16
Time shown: 4:09
